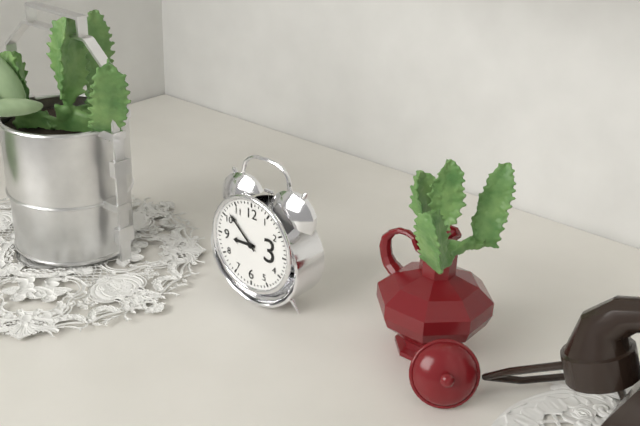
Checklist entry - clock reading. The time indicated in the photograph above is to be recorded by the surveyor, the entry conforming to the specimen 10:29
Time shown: 8:52
